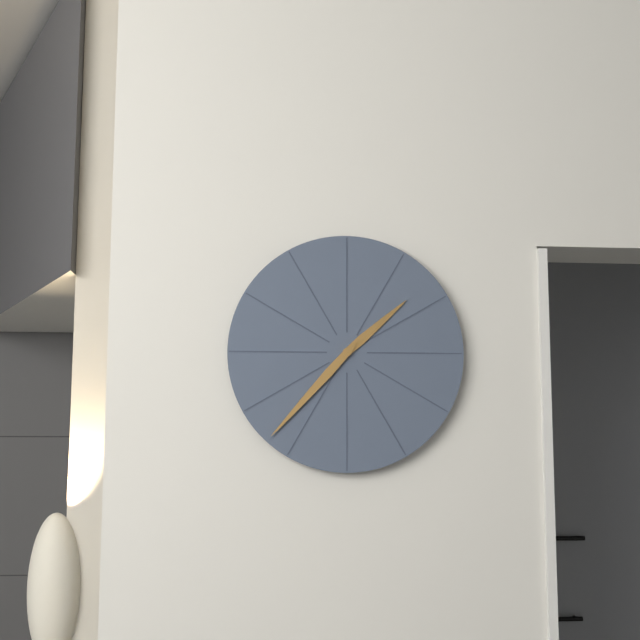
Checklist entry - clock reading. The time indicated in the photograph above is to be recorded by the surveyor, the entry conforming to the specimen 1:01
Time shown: 1:37
